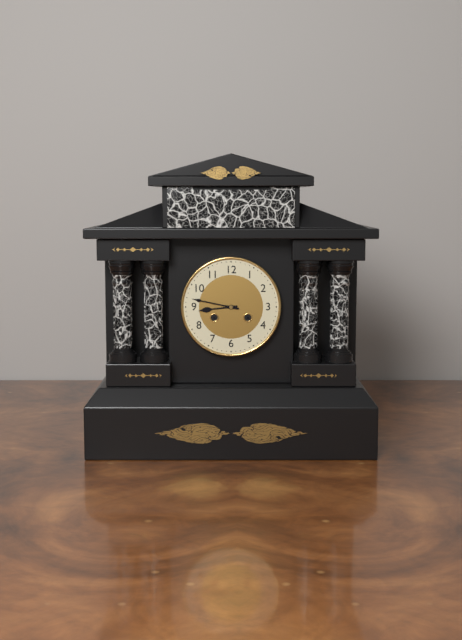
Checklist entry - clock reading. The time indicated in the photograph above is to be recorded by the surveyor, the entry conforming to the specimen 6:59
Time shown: 8:47
